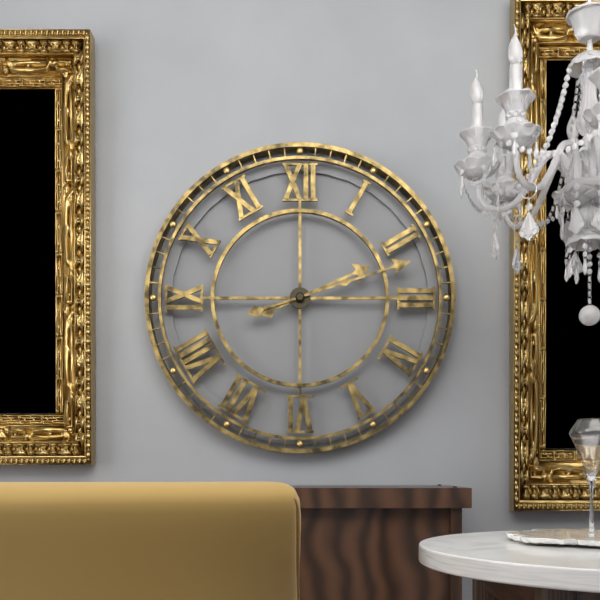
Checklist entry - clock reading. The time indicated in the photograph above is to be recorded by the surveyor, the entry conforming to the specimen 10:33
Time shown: 2:12
